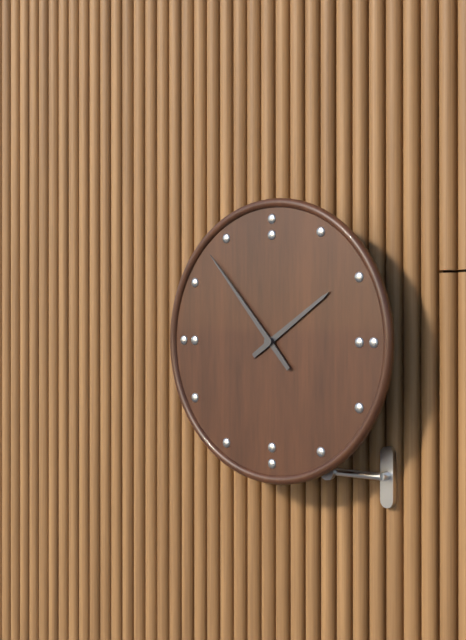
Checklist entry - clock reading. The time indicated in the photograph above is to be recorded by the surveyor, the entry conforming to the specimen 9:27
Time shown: 1:53
